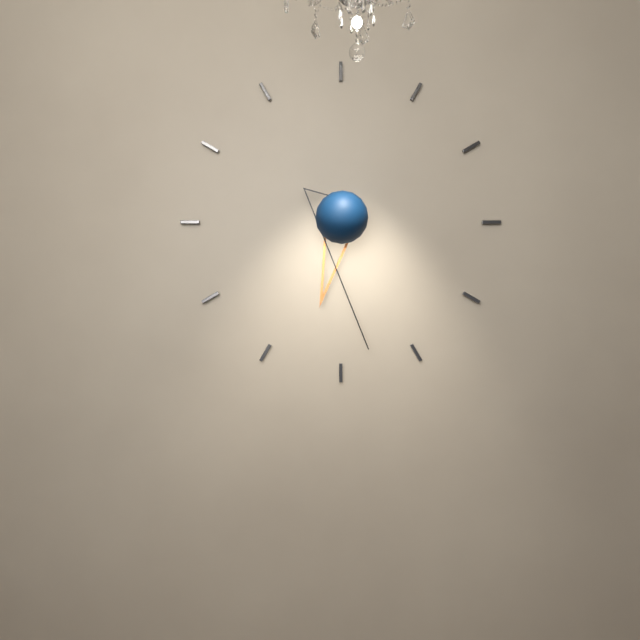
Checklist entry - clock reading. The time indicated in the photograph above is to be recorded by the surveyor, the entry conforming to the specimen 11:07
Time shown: 6:28
